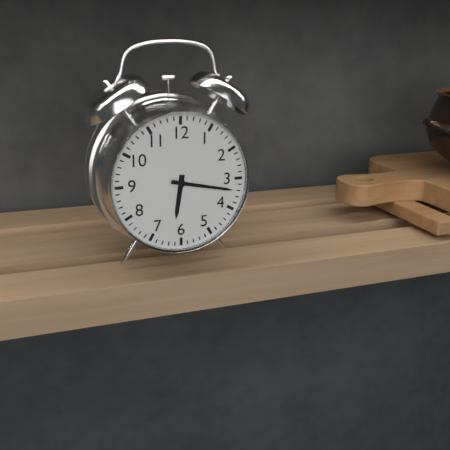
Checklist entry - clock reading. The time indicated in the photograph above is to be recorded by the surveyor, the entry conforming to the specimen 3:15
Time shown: 6:17
